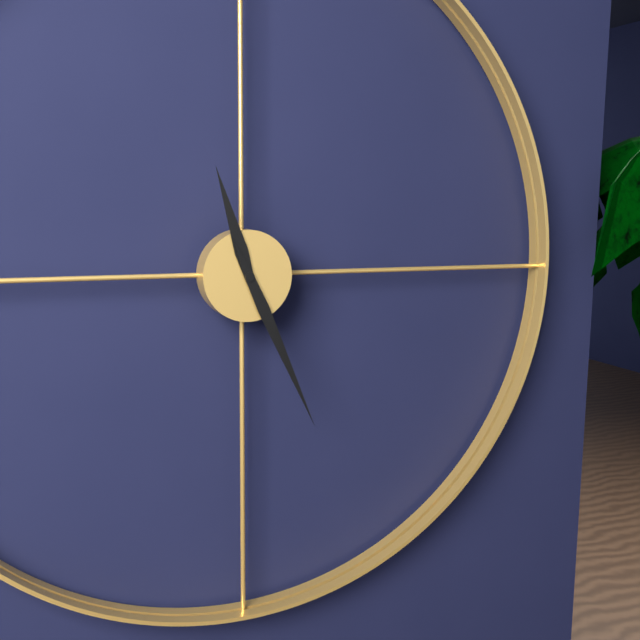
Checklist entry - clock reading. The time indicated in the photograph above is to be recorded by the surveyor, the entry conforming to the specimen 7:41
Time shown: 11:26
